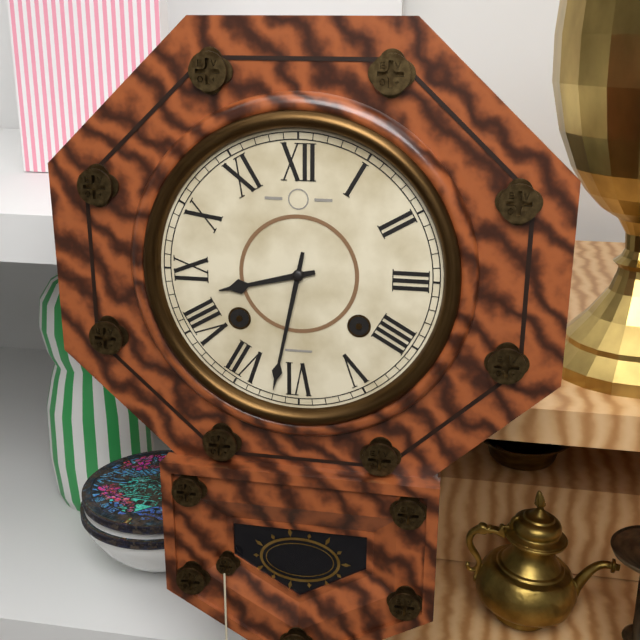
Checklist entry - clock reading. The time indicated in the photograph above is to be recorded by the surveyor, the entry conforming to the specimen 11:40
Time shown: 8:32
